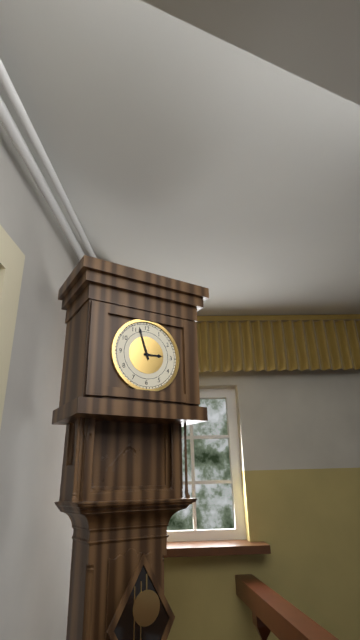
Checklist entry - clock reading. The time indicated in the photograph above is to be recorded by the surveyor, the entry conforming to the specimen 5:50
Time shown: 2:57
